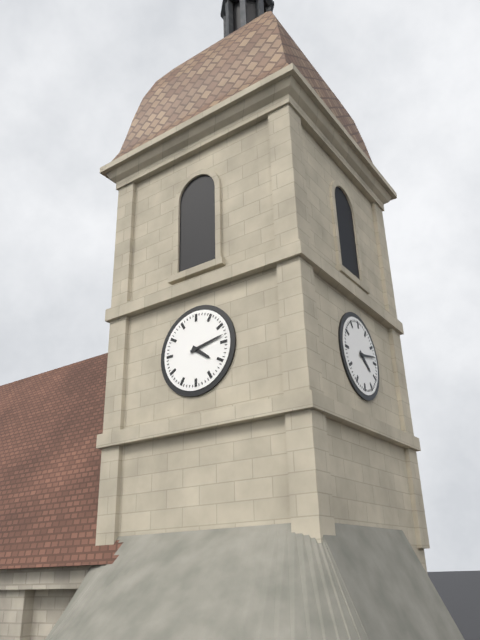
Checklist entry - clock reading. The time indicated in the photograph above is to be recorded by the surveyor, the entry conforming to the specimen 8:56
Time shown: 4:13
